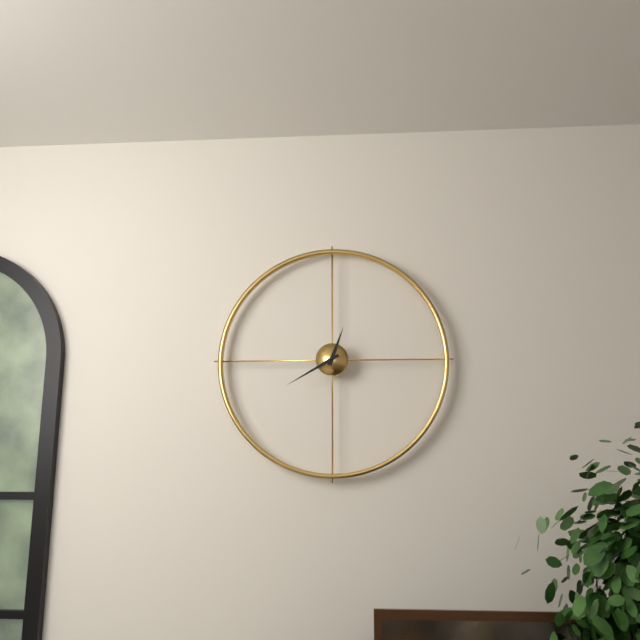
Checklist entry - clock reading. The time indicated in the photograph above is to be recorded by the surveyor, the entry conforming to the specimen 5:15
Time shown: 12:40
